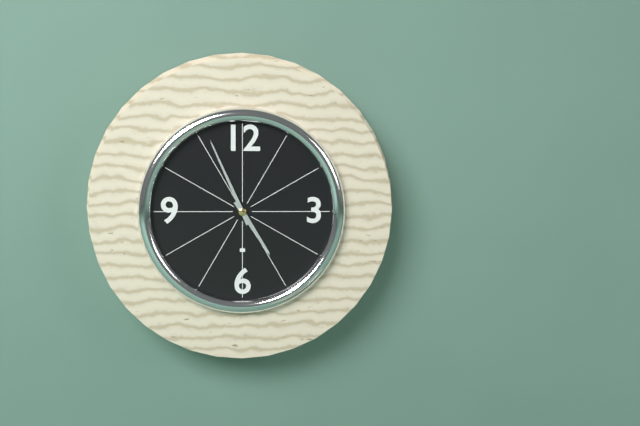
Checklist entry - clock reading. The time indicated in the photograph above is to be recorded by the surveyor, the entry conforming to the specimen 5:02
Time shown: 4:56
